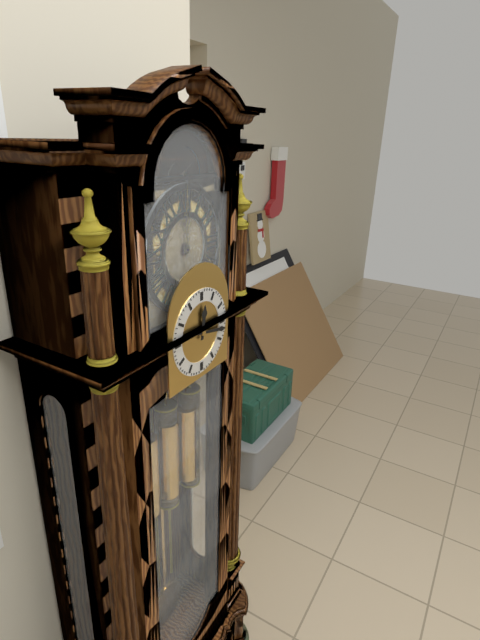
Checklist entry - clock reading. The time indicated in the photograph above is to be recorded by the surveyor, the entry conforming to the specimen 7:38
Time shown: 12:17
